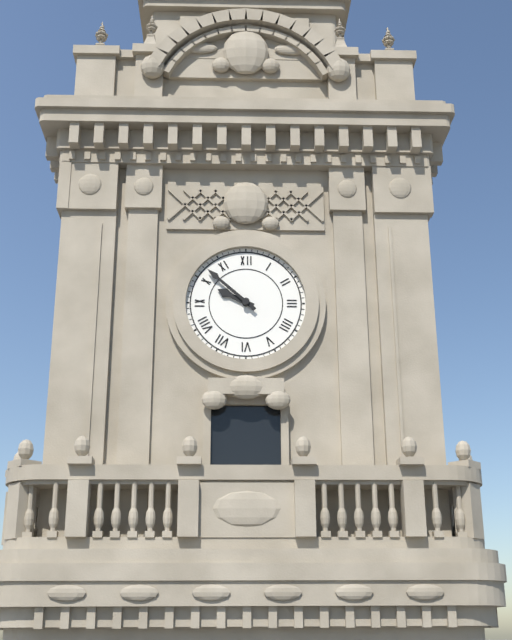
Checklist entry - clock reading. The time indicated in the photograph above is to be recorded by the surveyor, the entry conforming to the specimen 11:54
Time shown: 9:52
